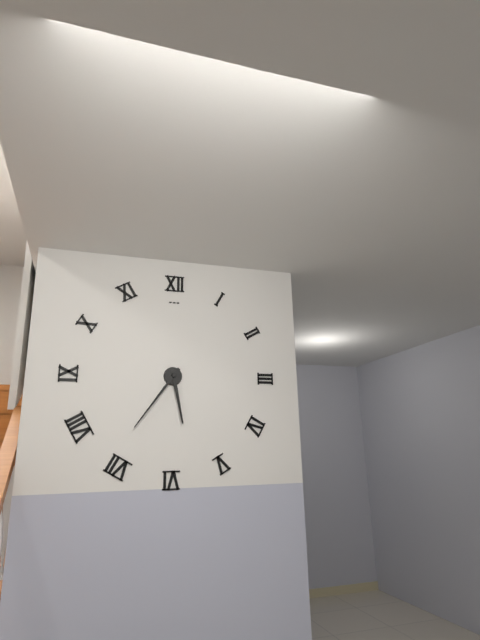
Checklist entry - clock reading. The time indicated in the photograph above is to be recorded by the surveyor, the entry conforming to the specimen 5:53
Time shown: 5:36
